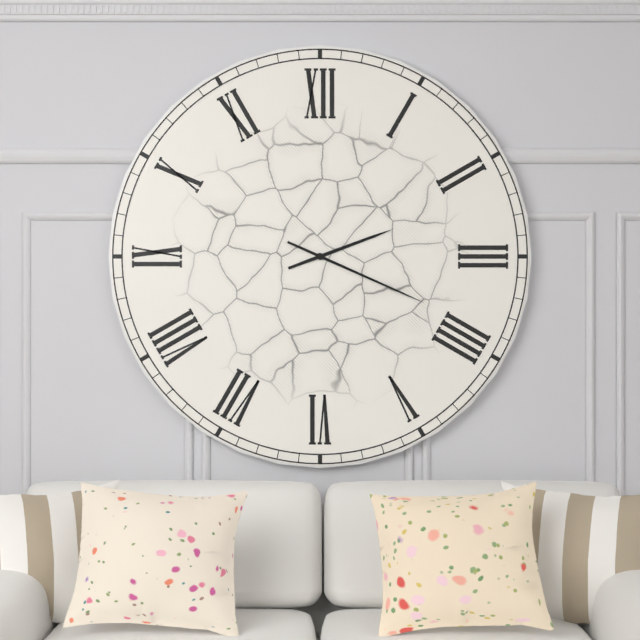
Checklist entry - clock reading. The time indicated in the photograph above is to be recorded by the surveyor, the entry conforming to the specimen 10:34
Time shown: 2:19
